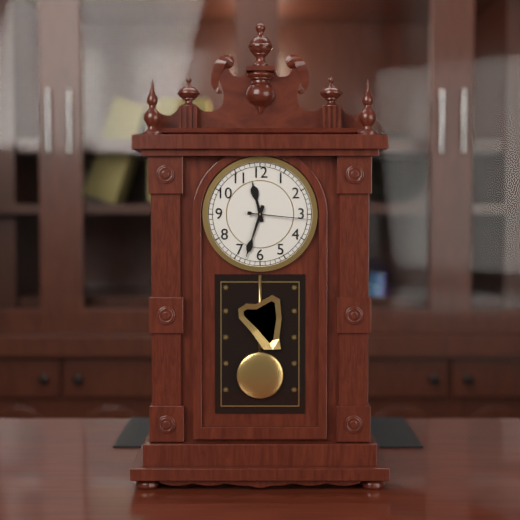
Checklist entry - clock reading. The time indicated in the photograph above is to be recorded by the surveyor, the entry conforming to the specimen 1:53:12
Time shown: 11:33:16
